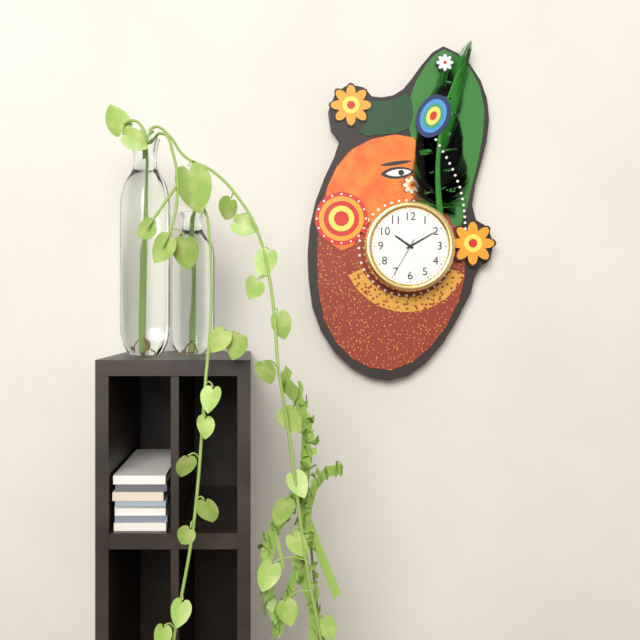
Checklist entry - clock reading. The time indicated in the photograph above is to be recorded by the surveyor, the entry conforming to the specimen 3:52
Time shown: 10:10
